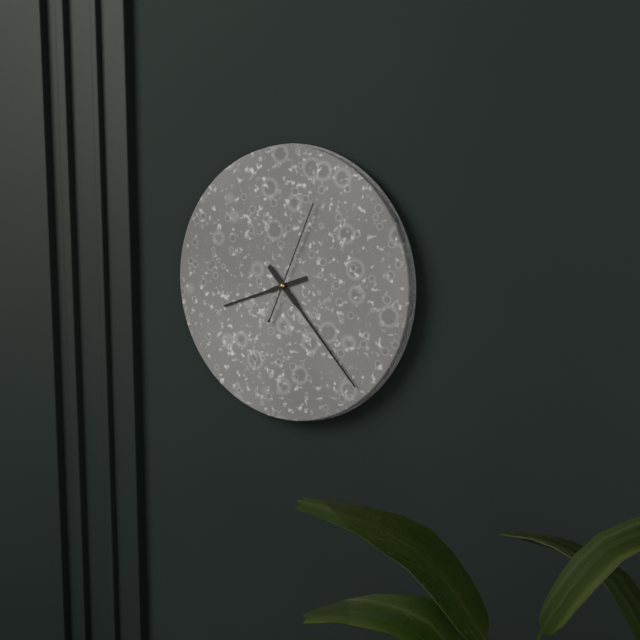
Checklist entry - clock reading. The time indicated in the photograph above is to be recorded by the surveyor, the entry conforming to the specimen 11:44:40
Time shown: 8:23:04
